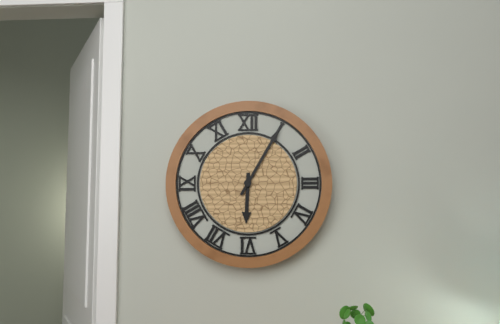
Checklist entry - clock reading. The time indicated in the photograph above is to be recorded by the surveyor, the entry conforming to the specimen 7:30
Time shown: 6:05
